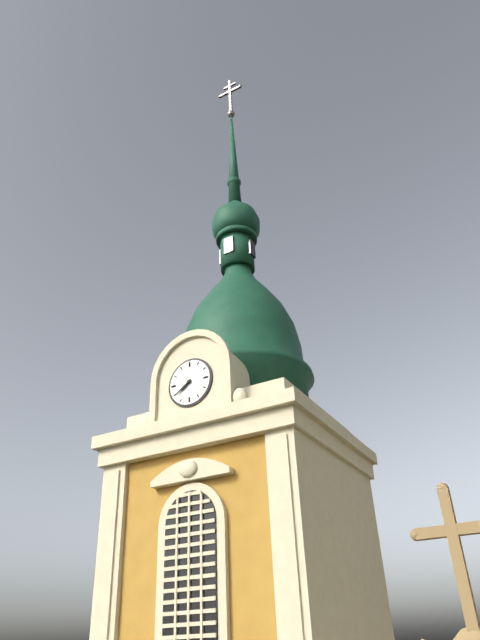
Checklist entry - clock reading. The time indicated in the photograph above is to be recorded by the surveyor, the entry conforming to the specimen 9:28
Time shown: 7:39
